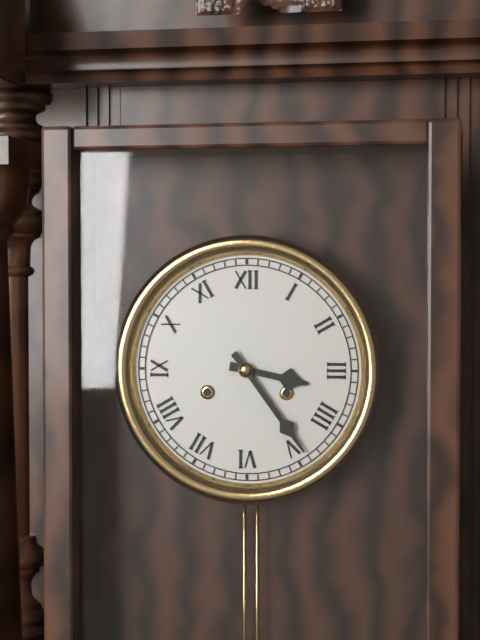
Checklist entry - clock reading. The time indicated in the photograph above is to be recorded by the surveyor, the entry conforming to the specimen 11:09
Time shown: 3:24
